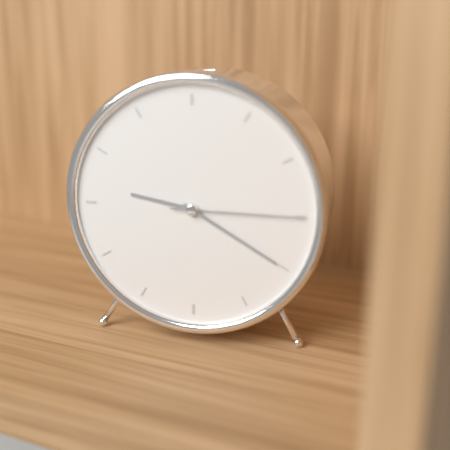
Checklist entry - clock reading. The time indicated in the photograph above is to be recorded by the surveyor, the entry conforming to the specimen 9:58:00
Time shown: 9:20:15
